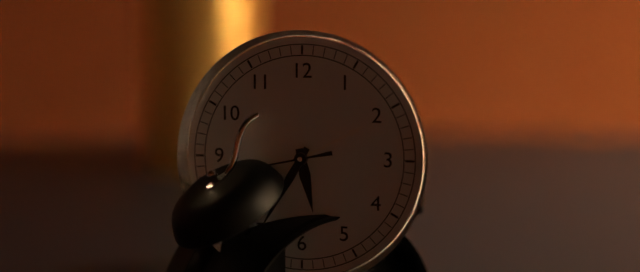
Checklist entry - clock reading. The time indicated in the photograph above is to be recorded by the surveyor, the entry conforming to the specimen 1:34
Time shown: 5:35
